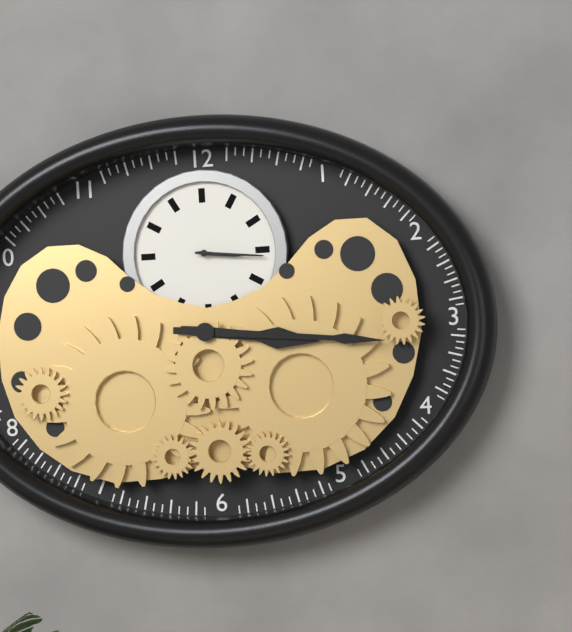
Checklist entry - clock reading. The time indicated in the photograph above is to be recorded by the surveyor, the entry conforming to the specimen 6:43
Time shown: 3:16
